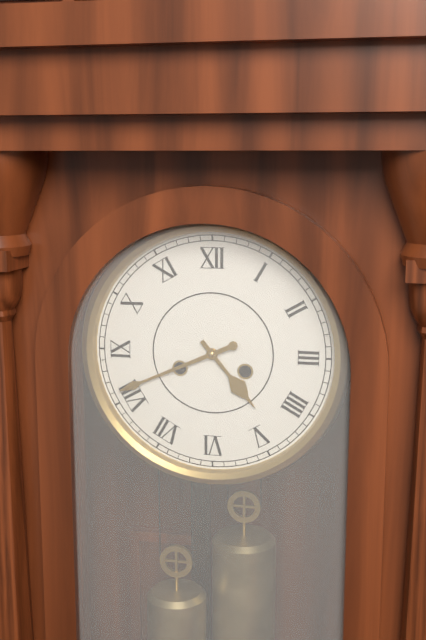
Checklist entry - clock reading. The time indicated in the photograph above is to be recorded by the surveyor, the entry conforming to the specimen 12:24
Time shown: 4:41
